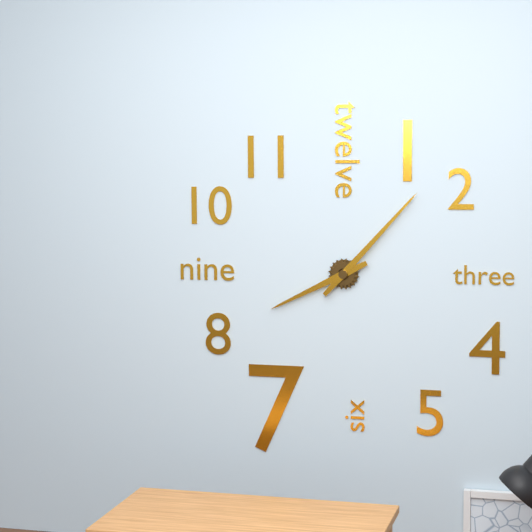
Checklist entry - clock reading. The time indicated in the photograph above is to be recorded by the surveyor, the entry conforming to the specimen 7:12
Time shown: 8:07
